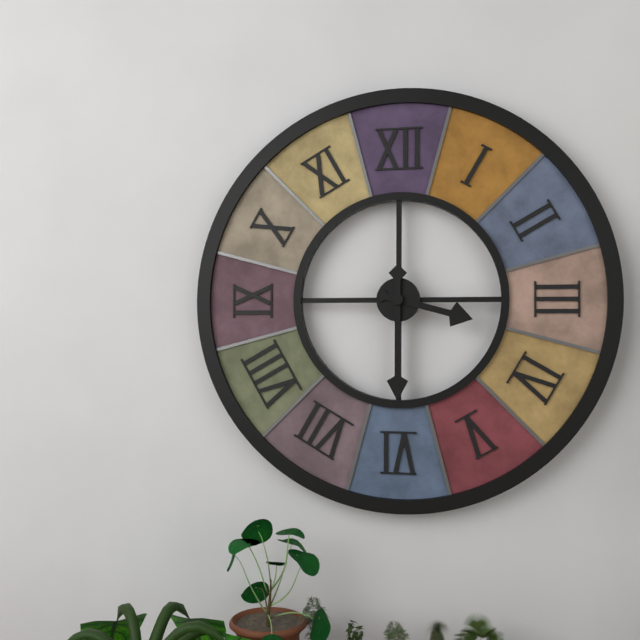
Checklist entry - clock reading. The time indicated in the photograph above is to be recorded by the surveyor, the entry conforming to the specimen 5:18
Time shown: 3:30
